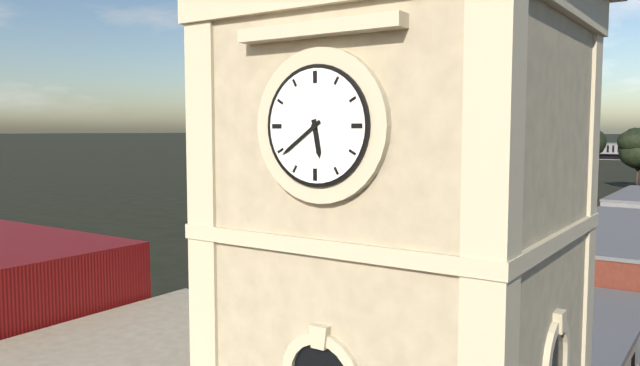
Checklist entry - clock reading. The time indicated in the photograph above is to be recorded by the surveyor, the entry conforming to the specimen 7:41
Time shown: 5:39
